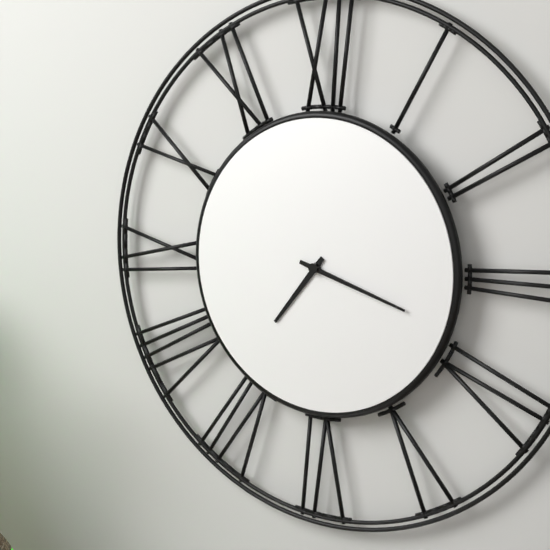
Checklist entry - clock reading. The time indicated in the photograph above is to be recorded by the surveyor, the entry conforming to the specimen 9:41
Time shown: 7:18
